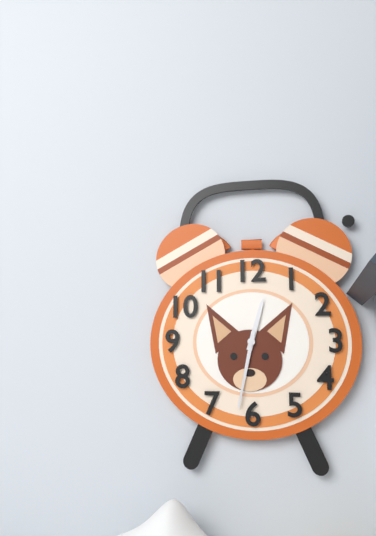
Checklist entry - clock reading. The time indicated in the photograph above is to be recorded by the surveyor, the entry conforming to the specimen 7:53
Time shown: 12:32
